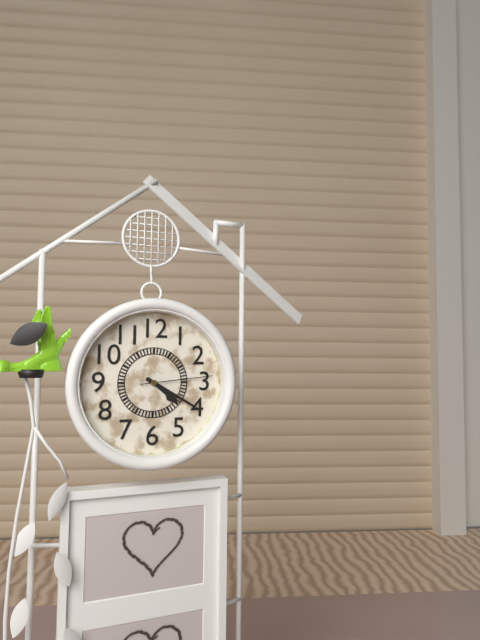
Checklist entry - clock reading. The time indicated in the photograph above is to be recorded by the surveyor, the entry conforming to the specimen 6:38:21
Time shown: 4:20:14
